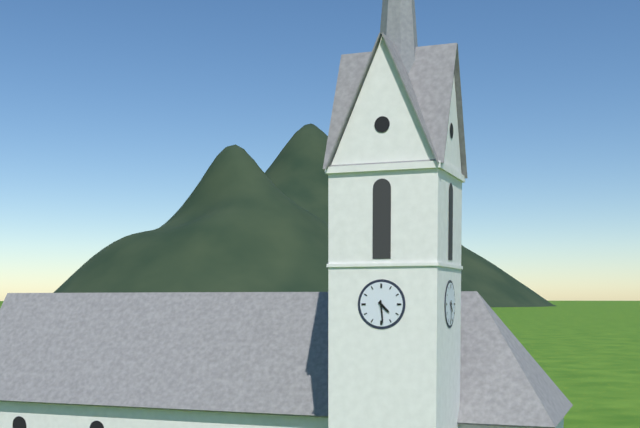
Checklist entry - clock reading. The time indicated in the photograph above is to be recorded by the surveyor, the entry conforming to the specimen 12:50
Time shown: 4:29
